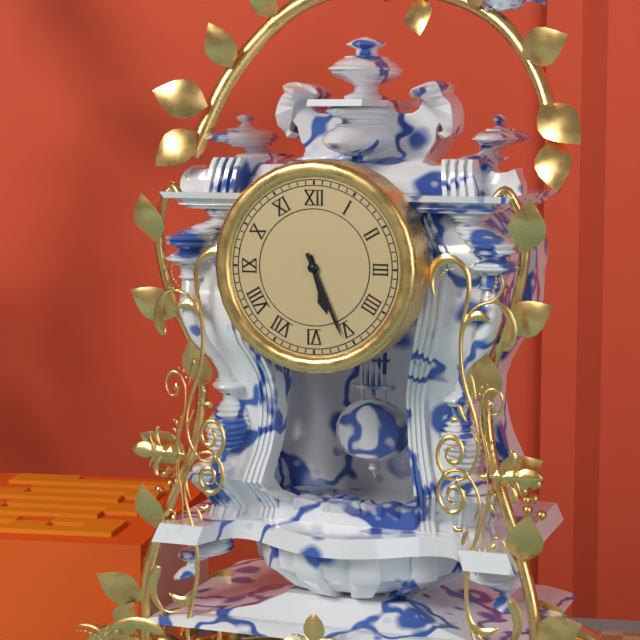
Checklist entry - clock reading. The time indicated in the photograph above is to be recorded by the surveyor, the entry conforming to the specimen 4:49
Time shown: 5:26
